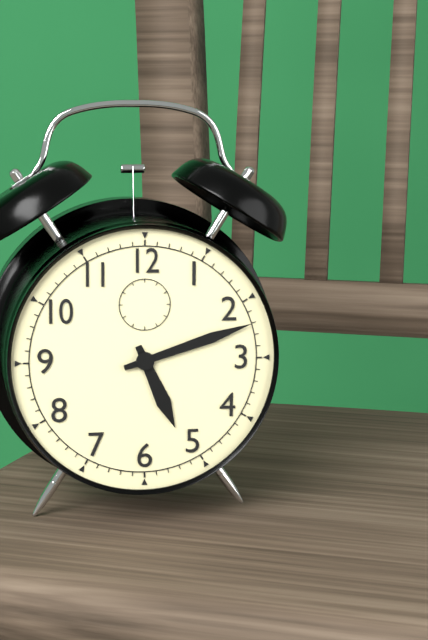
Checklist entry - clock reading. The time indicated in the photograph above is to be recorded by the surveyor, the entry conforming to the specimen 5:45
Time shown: 5:12
